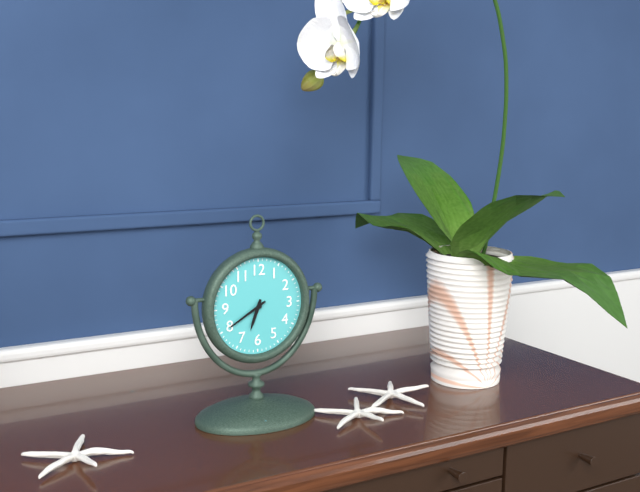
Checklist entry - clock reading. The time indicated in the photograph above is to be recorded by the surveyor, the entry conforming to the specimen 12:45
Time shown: 6:40
